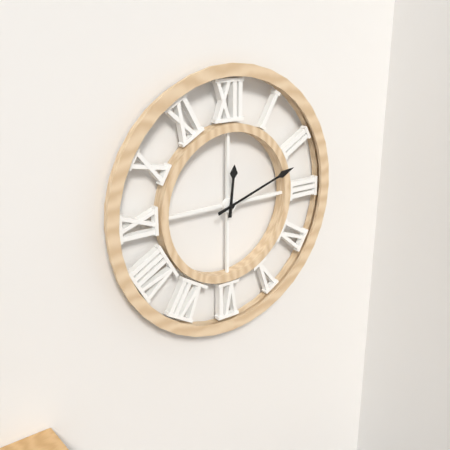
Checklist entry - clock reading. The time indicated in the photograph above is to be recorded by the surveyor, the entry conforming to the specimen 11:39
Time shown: 12:12
